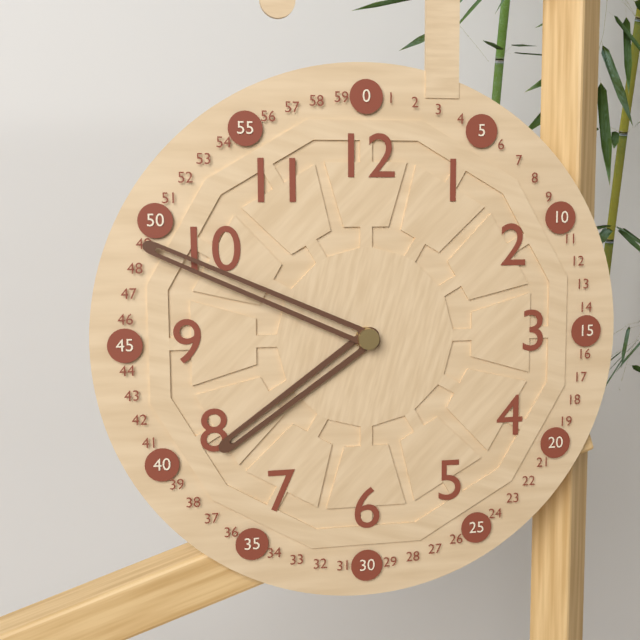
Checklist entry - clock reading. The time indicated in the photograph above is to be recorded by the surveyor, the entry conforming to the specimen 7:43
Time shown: 7:49
